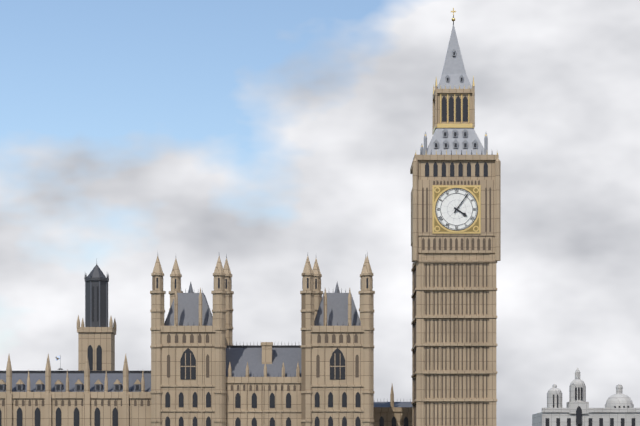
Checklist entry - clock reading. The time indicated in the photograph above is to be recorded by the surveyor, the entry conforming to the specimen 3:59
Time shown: 4:06
